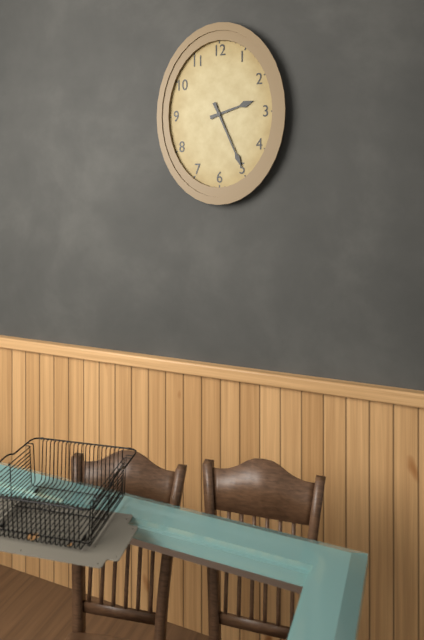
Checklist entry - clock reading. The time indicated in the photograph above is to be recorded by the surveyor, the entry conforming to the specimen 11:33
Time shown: 2:26
